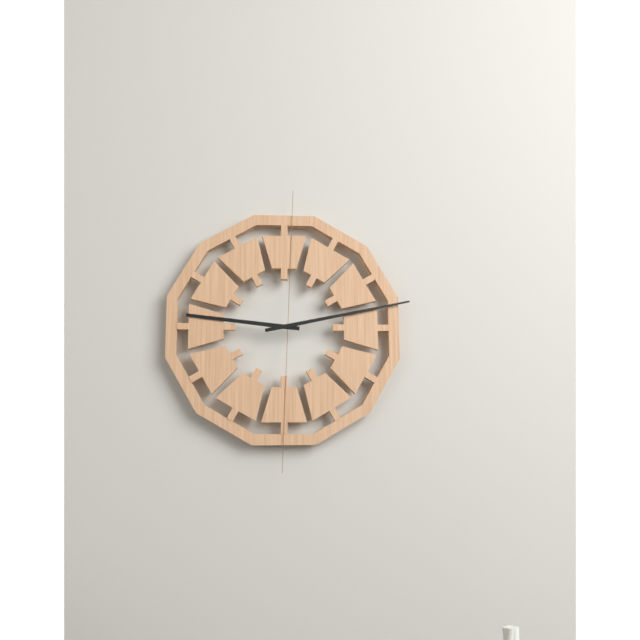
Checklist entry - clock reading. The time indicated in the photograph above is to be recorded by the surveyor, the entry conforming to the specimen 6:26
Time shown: 9:13
